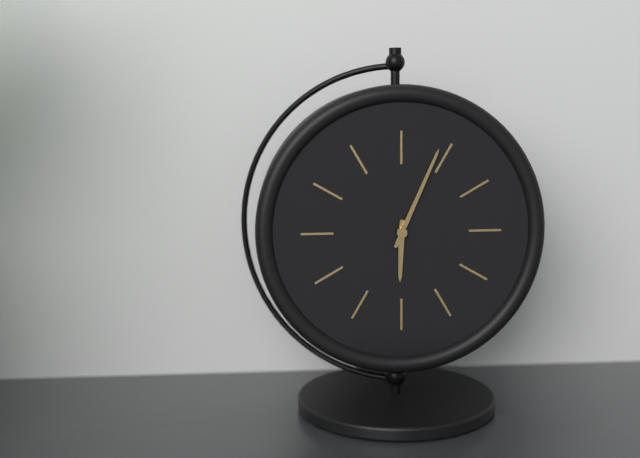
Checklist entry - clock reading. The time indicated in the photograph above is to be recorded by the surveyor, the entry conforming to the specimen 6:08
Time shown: 6:04
